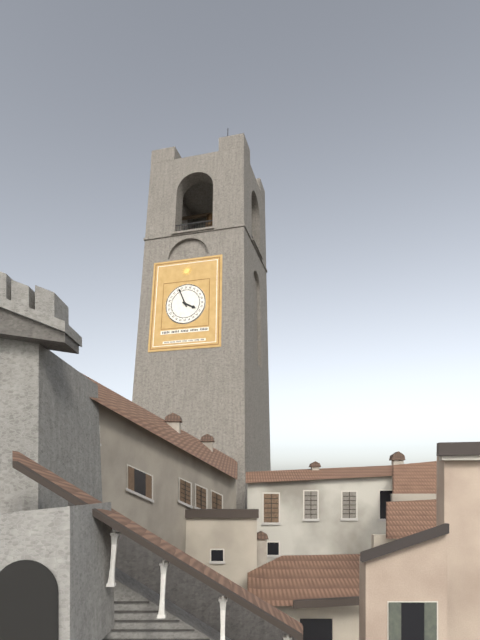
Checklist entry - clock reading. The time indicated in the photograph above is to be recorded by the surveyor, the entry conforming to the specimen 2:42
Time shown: 3:56
